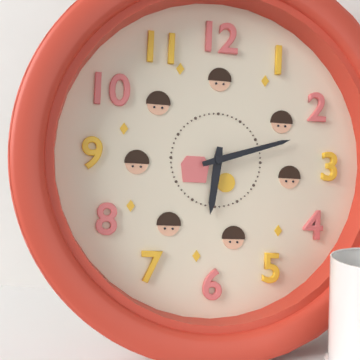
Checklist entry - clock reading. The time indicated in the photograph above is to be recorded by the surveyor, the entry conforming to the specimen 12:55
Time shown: 6:12
